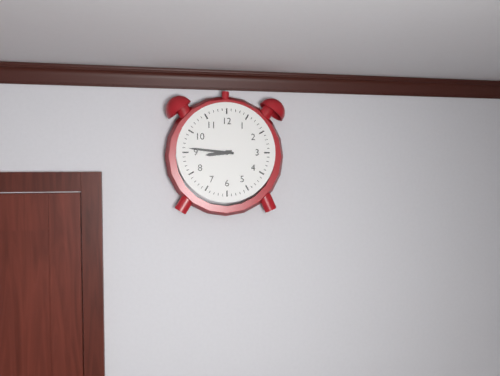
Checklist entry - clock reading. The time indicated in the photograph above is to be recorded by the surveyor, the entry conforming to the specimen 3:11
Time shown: 8:46
